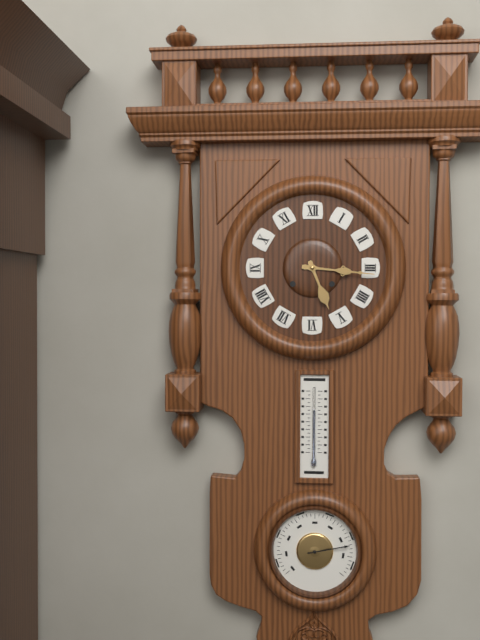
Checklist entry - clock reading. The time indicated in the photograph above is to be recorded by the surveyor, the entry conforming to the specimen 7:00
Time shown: 5:16
